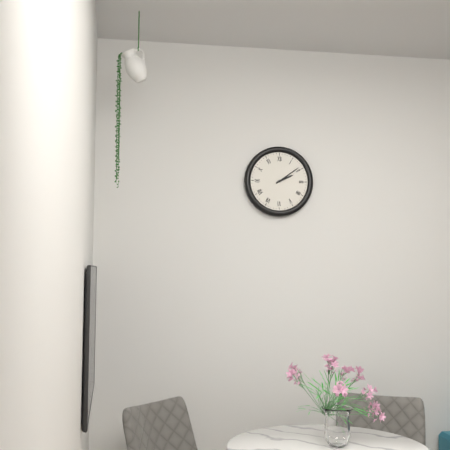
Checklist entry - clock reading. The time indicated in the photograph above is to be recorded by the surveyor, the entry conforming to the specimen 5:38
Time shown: 2:09
